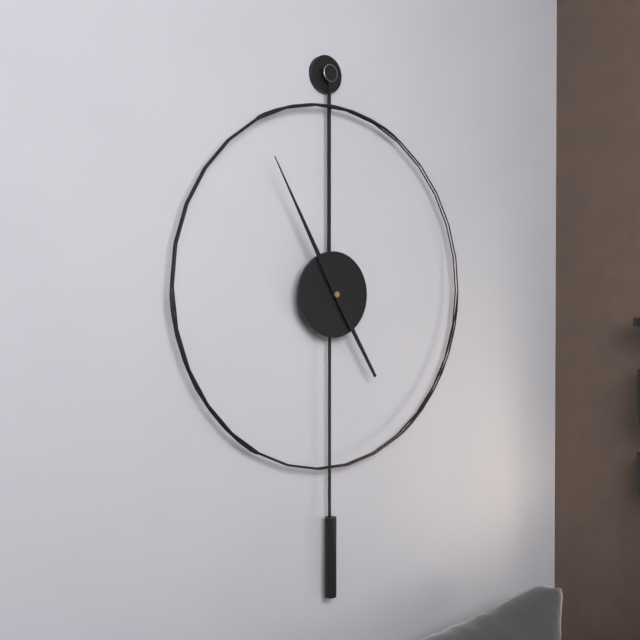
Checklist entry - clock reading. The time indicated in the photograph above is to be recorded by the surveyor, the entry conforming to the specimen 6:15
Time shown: 4:55
